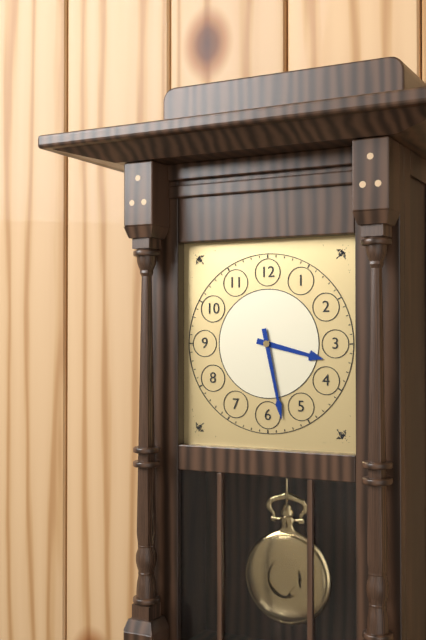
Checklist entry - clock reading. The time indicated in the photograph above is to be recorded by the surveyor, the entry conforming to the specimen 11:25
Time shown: 3:28
